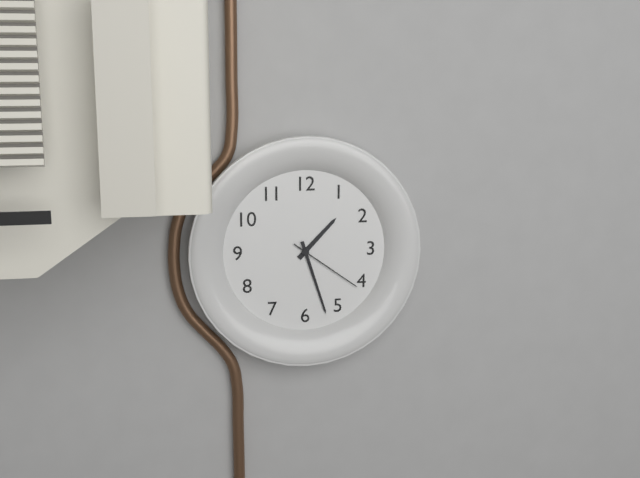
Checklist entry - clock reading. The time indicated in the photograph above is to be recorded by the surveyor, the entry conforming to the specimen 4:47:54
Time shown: 1:27:21
